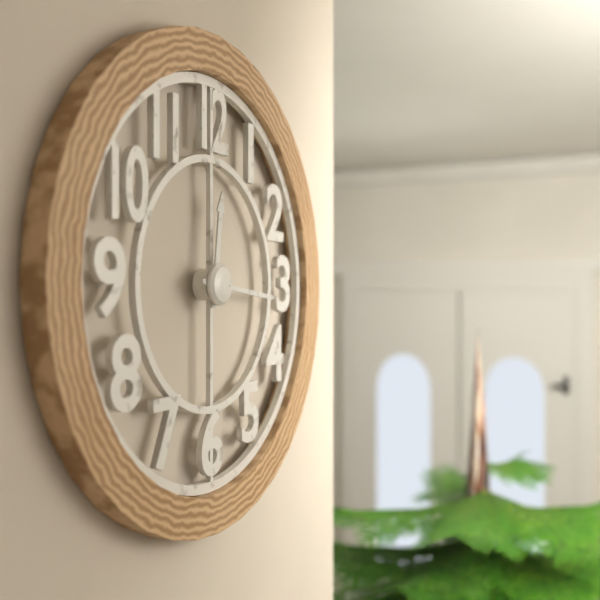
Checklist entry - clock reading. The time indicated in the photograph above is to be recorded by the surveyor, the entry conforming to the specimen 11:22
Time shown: 12:16
